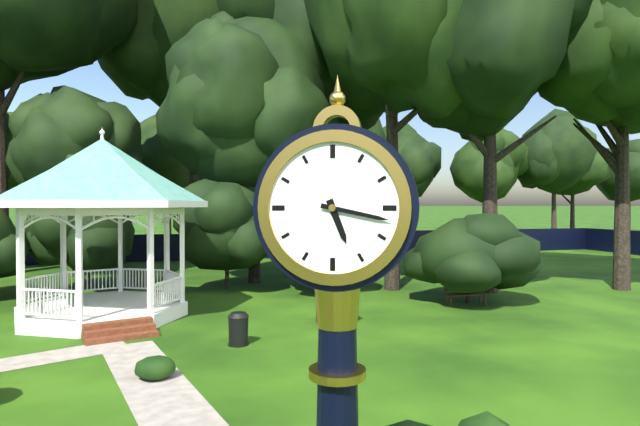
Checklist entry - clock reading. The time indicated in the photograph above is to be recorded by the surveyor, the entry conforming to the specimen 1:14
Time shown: 5:17
